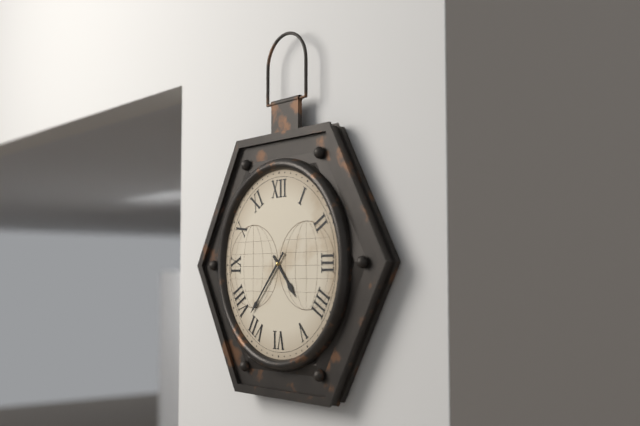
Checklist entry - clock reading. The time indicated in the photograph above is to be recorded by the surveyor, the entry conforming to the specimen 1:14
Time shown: 4:37
